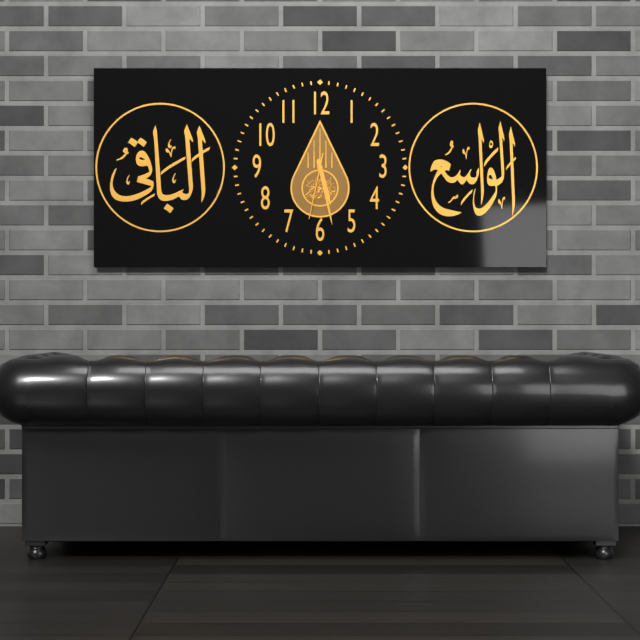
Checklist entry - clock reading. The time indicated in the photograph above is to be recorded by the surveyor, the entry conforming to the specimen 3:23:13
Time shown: 5:28:32
